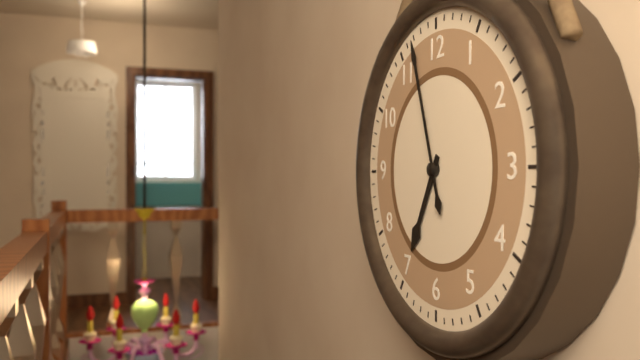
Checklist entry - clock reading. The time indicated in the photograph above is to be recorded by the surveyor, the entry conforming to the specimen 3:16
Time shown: 6:57
